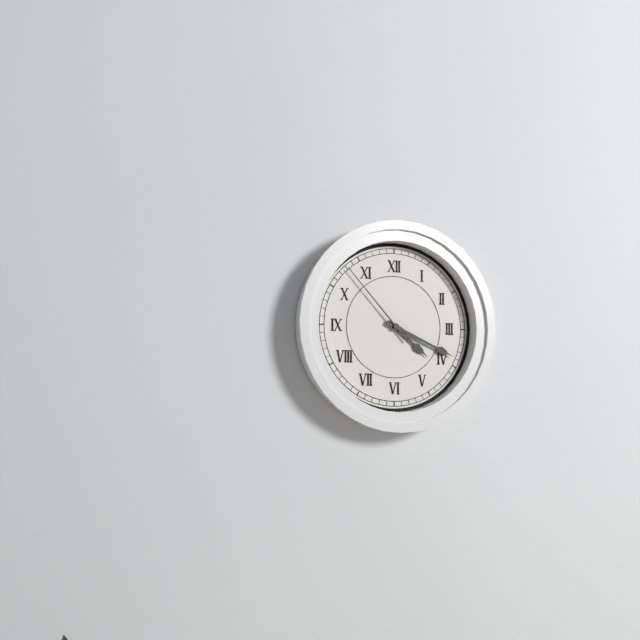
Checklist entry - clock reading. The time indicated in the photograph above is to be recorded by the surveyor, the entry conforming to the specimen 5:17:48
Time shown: 4:19:53
